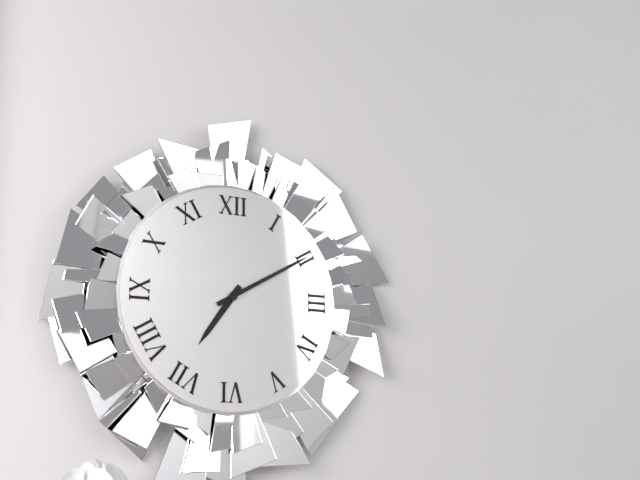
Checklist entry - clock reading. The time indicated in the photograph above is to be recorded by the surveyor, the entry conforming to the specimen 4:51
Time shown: 7:10
